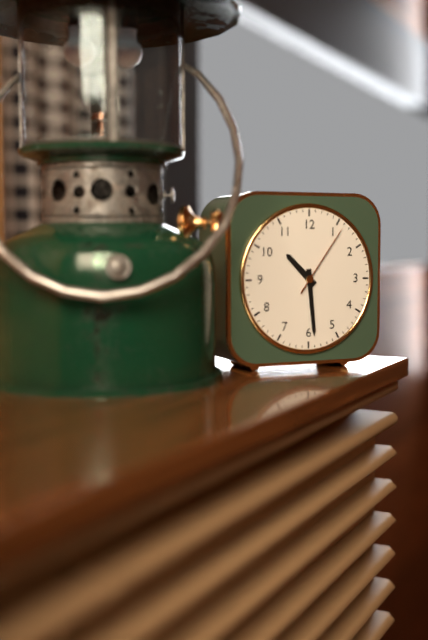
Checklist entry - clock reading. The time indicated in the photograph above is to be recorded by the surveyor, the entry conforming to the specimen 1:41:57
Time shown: 10:29:06
